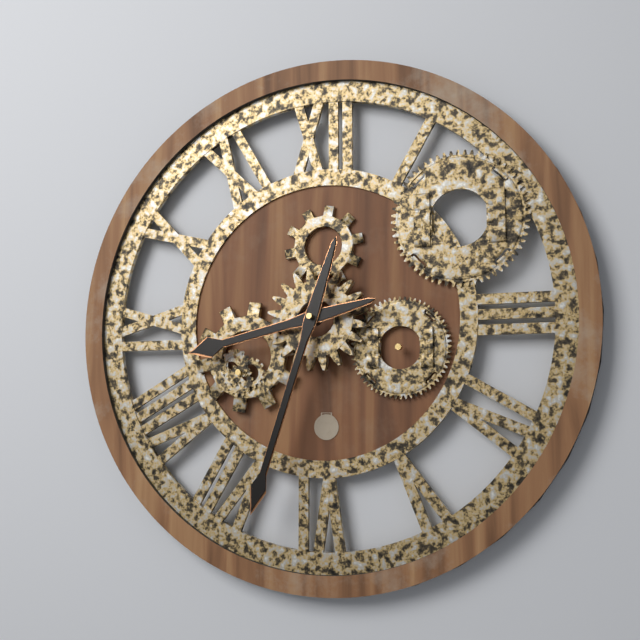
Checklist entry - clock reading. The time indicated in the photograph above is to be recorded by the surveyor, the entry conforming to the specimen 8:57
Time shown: 8:33
